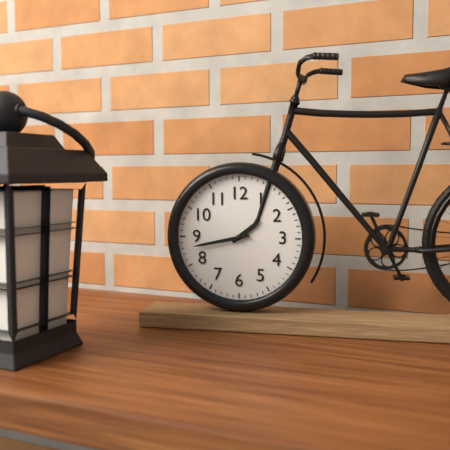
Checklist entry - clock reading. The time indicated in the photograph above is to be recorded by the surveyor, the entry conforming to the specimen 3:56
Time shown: 1:43
